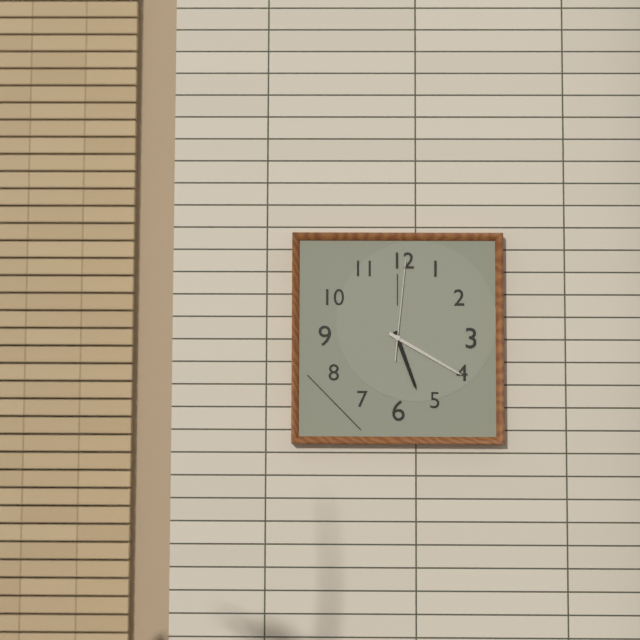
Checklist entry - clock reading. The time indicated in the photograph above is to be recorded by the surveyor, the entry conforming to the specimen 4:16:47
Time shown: 5:20:01
